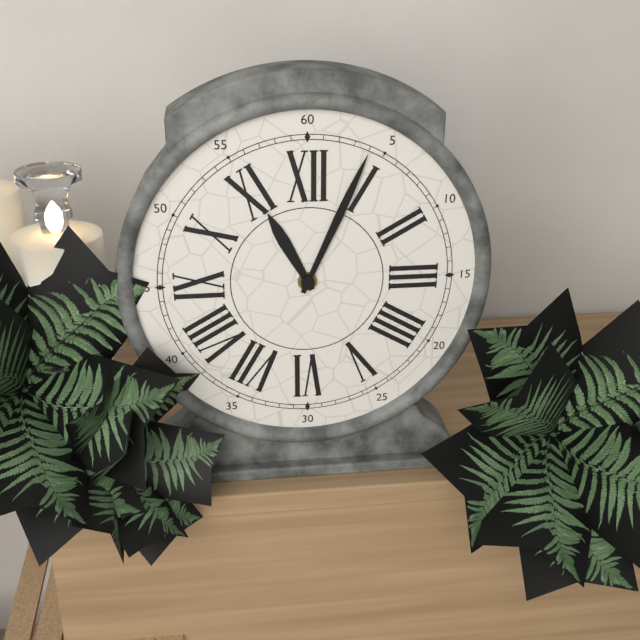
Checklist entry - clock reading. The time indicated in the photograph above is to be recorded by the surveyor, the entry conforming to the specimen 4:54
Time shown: 11:04
